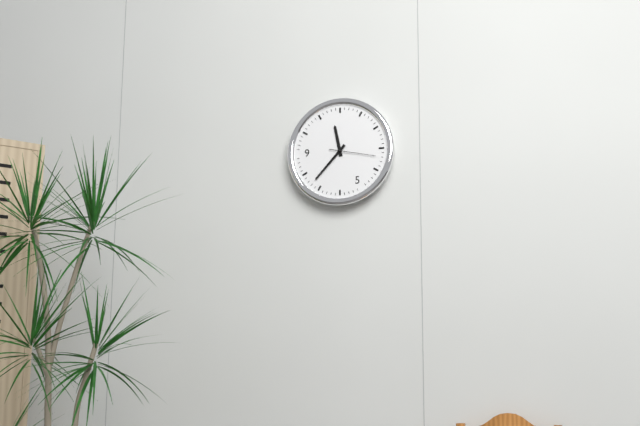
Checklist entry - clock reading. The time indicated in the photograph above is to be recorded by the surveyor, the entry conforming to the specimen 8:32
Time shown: 11:37
